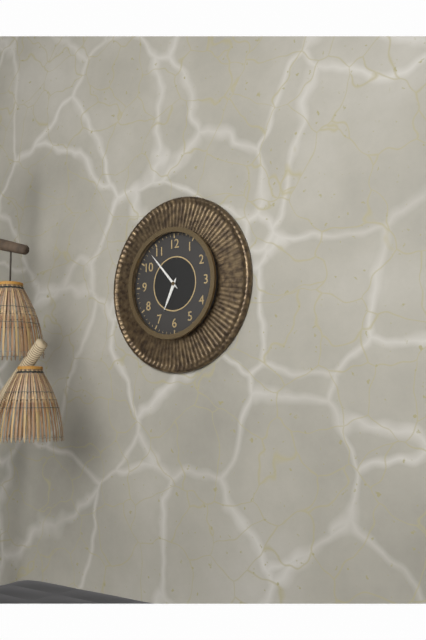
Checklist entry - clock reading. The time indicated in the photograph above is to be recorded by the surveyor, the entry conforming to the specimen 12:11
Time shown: 6:53
